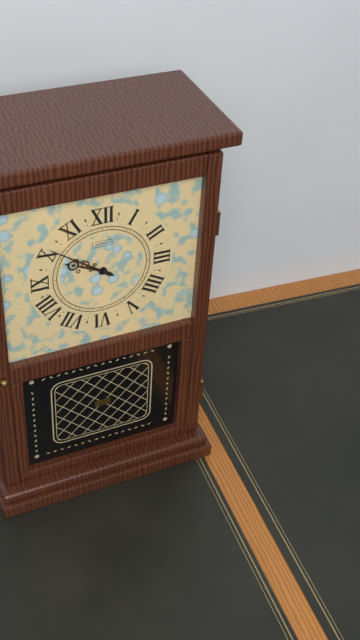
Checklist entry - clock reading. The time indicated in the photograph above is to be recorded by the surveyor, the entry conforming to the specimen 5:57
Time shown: 9:51
